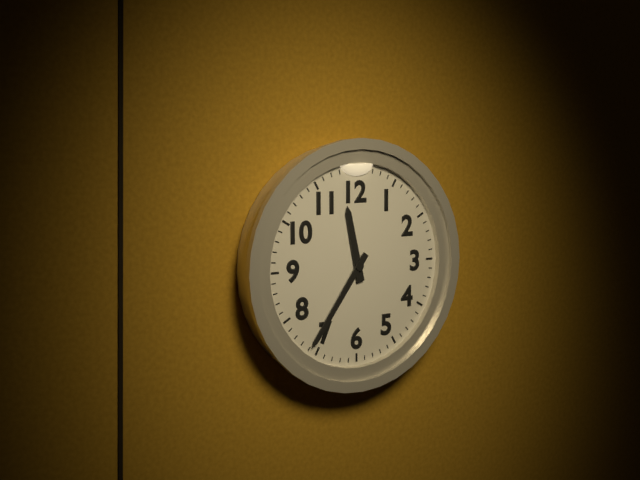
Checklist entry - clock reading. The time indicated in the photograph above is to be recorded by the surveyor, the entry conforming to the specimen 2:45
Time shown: 11:36
